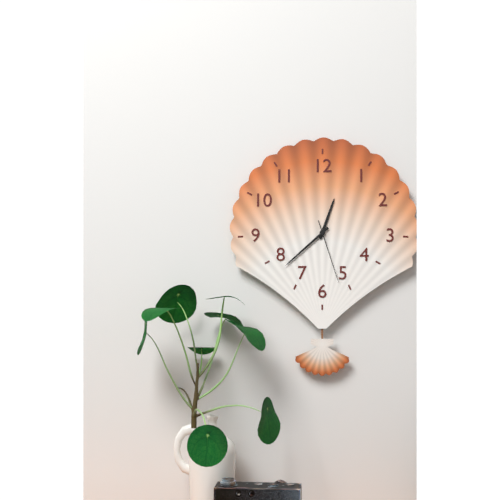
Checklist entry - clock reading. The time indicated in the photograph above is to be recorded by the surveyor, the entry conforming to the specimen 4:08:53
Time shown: 12:38:27
